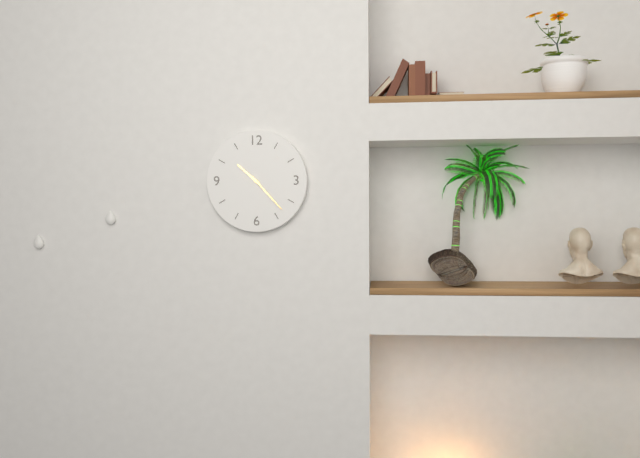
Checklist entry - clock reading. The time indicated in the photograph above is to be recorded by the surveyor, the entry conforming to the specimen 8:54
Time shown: 10:23
